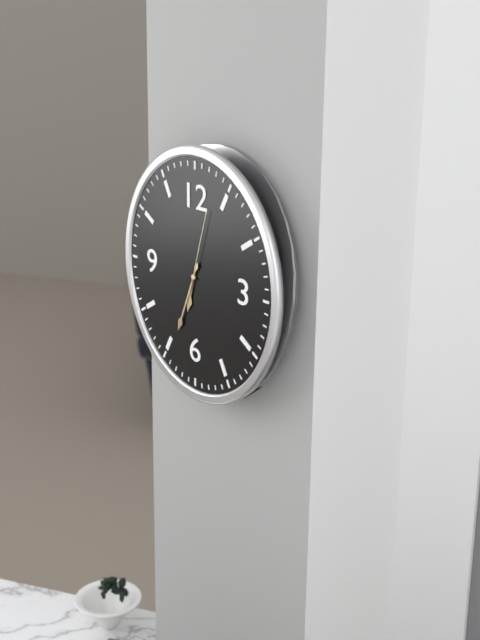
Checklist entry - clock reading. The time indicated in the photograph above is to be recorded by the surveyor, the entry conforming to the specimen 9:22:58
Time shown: 6:34:03
